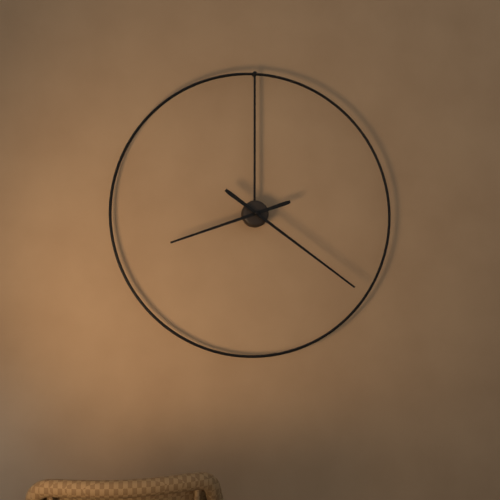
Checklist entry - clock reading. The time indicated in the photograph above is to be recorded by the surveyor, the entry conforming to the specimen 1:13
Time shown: 8:21
